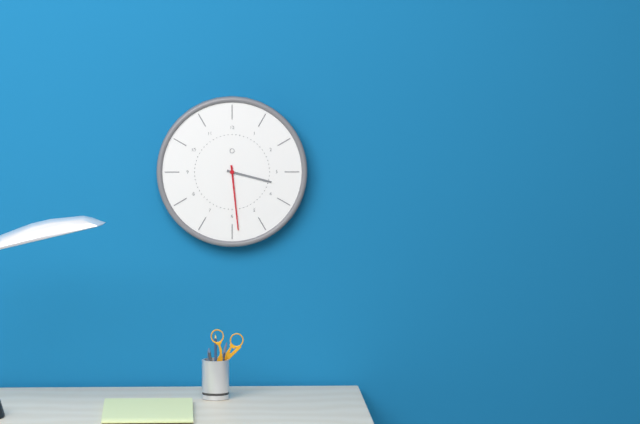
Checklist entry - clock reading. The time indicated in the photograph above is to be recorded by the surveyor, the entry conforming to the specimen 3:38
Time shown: 3:29
